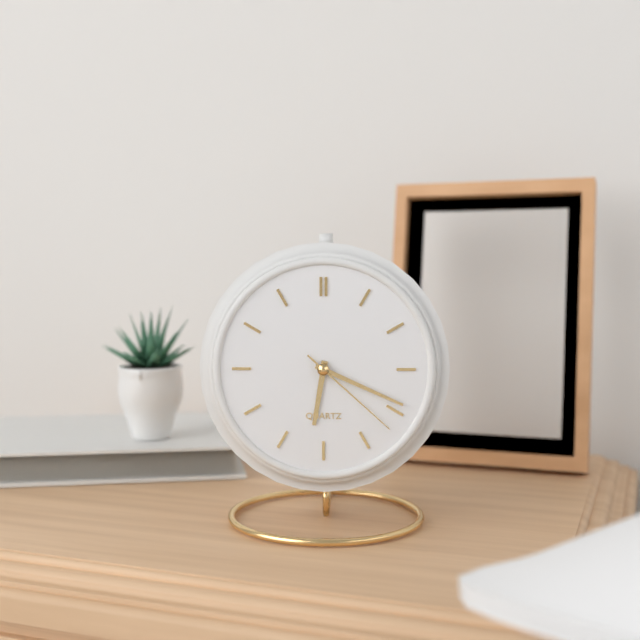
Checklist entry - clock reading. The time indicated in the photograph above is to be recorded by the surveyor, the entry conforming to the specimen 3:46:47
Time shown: 6:19:22
